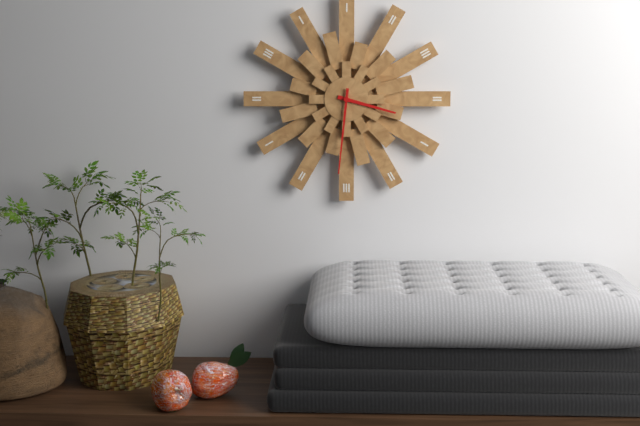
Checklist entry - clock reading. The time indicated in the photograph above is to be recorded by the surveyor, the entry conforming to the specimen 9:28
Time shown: 3:31
